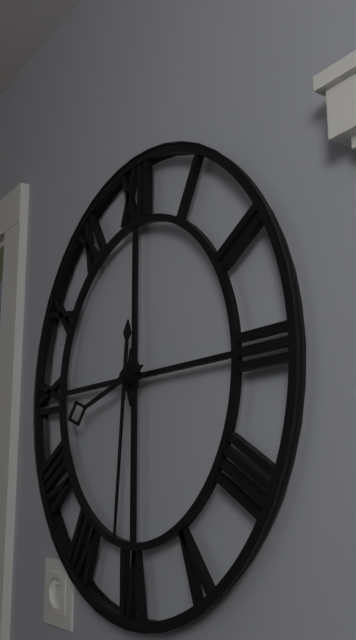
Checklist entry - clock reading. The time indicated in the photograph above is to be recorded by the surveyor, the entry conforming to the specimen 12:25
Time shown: 8:31
